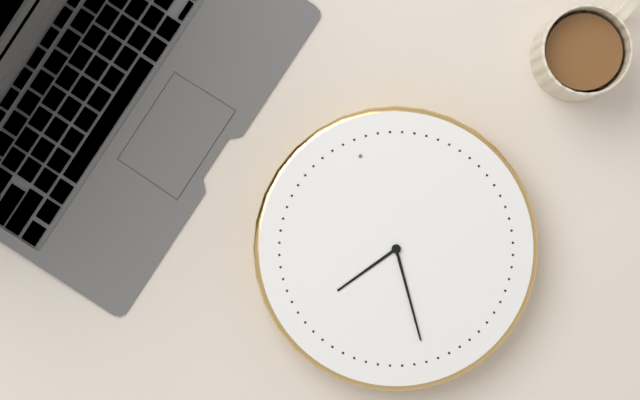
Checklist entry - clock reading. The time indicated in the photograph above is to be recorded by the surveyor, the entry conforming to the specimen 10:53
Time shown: 8:31
